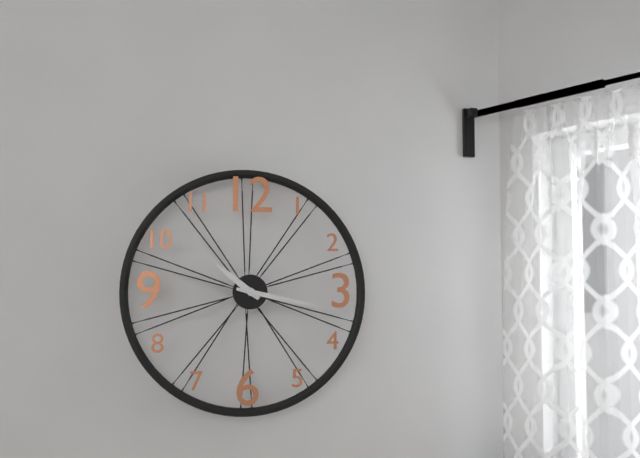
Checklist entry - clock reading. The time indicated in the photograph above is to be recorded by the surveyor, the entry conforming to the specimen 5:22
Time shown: 10:17
